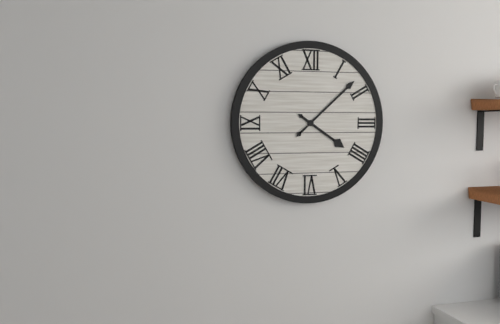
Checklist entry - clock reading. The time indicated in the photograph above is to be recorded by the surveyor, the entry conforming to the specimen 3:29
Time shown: 4:08
